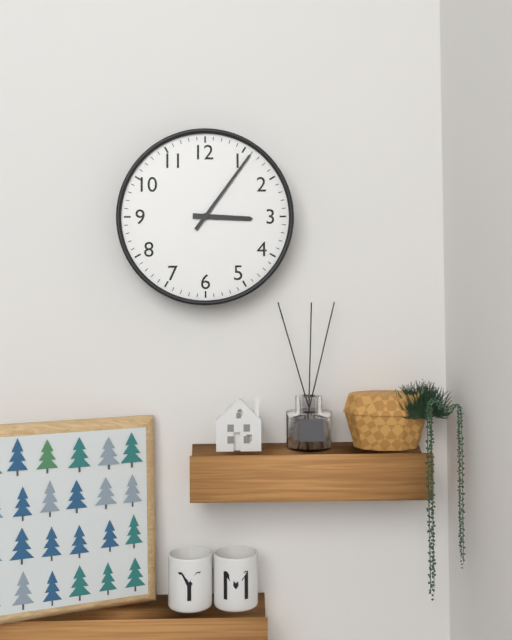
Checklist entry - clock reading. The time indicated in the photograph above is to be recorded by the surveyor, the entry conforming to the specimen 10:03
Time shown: 3:06
